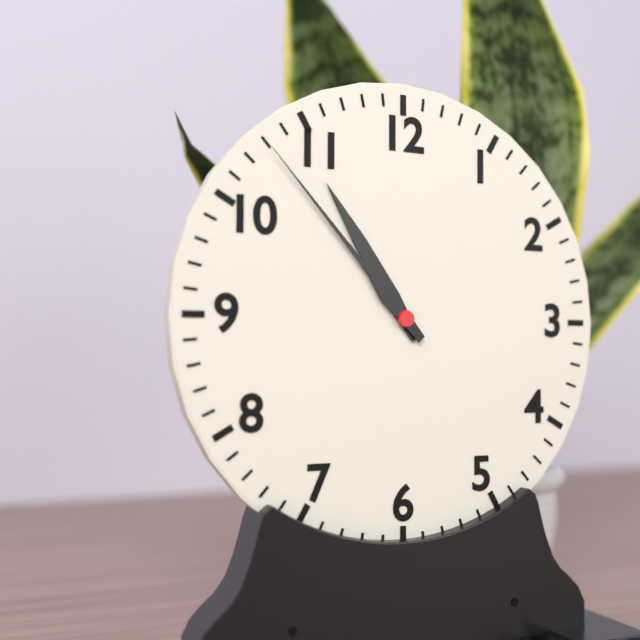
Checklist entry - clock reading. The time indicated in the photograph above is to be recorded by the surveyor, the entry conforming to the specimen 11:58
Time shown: 10:53
